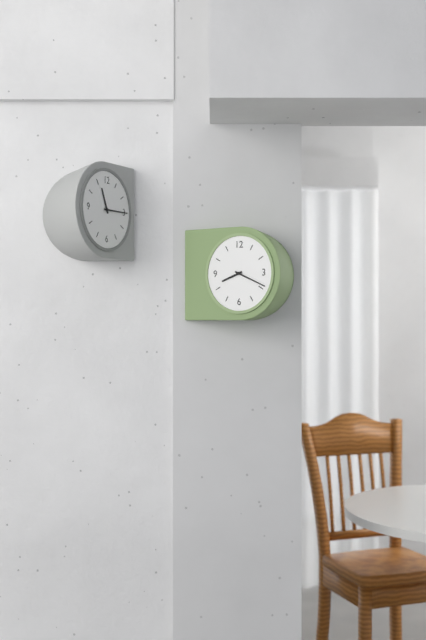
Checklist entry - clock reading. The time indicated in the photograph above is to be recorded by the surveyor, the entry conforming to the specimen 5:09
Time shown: 8:19
